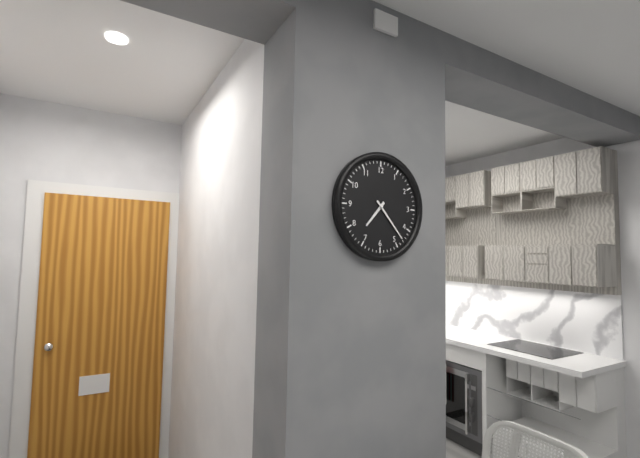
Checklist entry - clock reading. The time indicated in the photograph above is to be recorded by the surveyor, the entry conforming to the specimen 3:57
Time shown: 7:23
